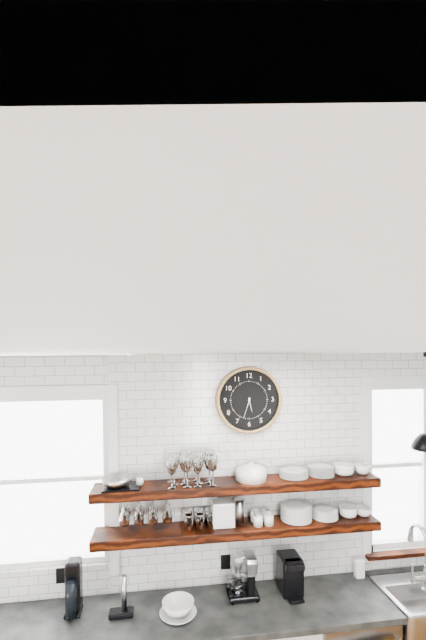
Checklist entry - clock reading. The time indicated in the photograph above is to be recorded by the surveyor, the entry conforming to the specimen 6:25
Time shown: 5:33
